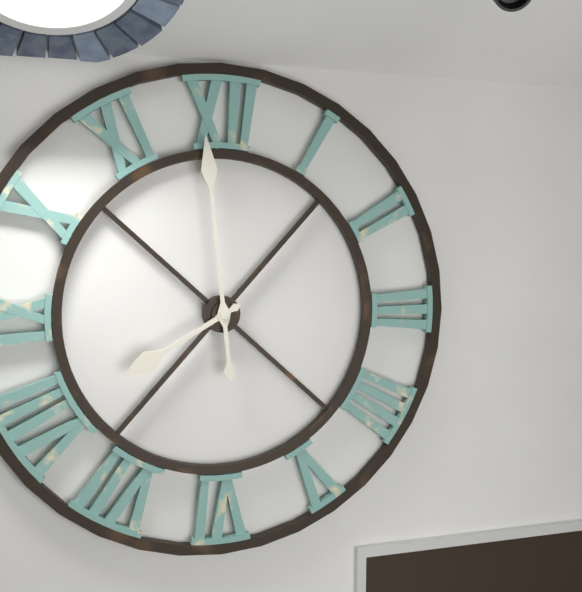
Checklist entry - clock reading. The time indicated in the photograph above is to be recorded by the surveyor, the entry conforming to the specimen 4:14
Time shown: 7:59
